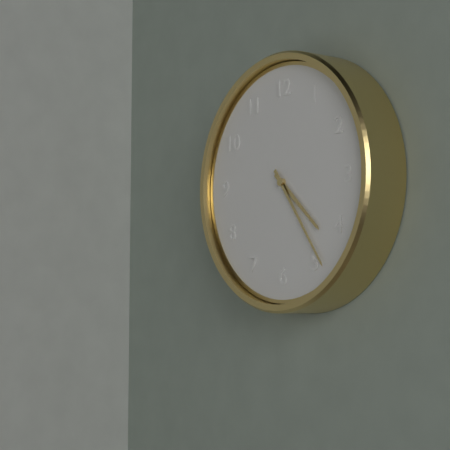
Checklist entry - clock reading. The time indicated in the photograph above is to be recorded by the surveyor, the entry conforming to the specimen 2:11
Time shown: 4:24
